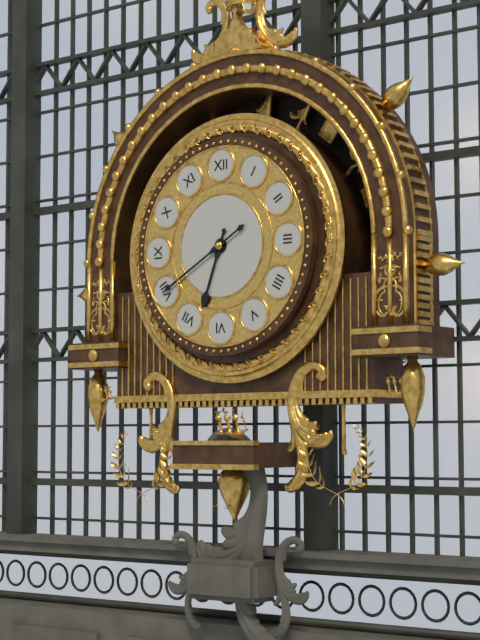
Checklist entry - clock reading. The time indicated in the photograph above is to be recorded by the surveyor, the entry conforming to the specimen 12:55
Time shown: 6:40
